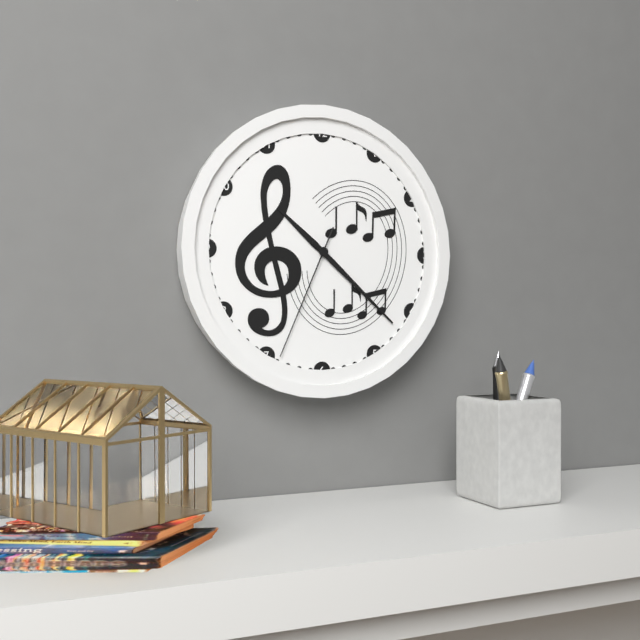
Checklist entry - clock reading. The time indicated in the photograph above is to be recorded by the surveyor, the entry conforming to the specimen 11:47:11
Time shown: 10:22:34
